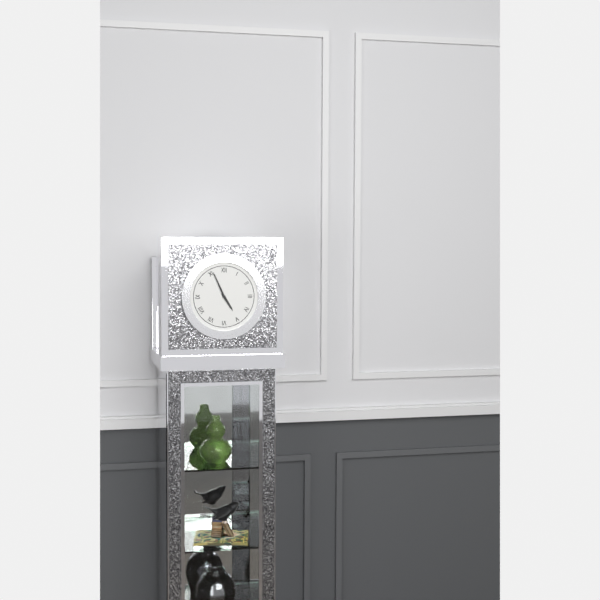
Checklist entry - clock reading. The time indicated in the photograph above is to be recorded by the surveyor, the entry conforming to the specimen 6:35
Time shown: 4:56
